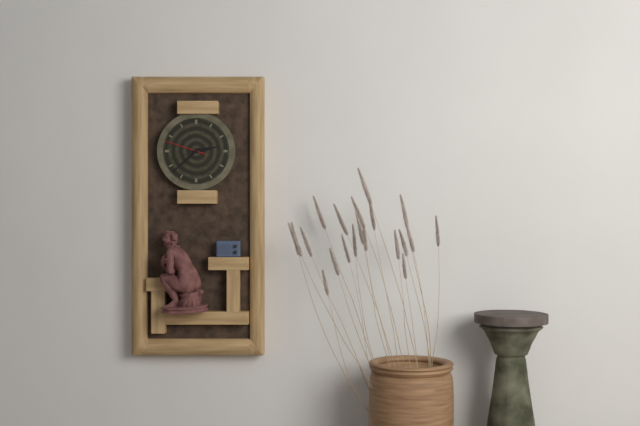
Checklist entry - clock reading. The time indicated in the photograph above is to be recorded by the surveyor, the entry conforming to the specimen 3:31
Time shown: 2:38
